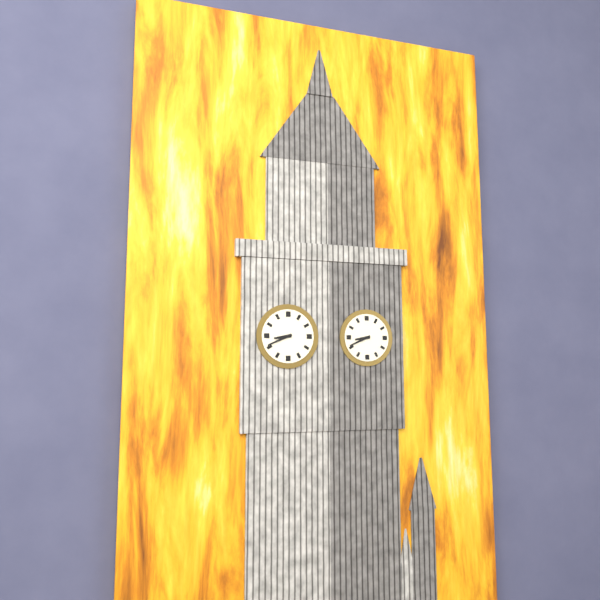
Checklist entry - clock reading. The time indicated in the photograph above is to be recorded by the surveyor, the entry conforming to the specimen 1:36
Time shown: 8:41
